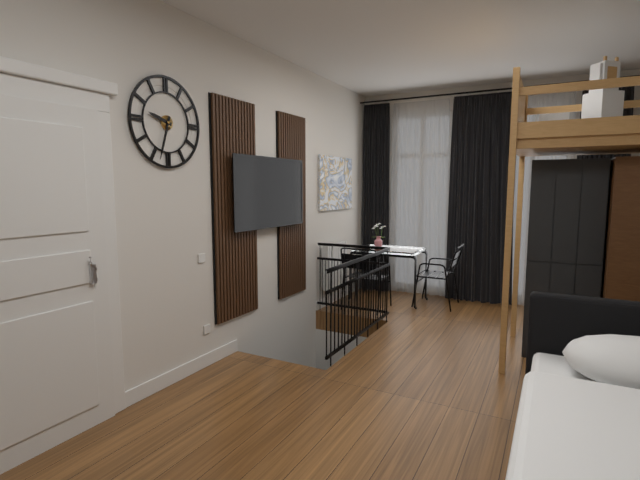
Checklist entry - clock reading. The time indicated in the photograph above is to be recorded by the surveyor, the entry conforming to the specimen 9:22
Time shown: 9:33
